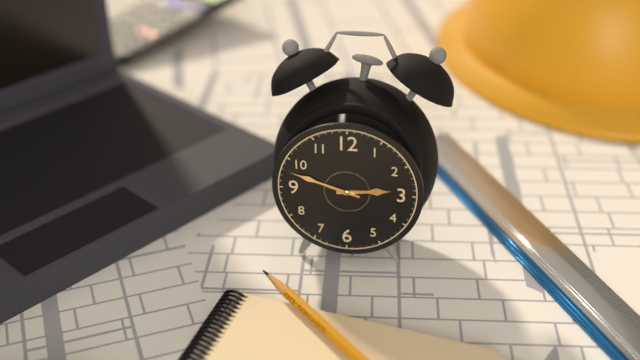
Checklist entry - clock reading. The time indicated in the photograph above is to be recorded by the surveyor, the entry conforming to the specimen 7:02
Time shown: 2:48
